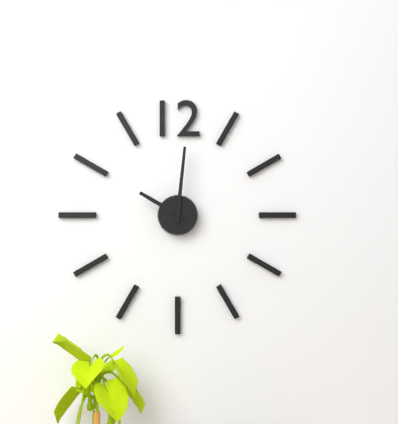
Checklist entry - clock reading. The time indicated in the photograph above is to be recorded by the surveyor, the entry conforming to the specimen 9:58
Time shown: 10:01
